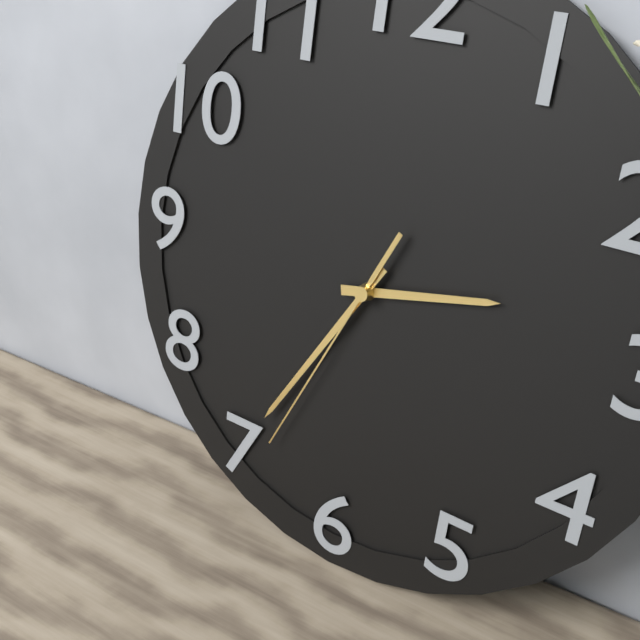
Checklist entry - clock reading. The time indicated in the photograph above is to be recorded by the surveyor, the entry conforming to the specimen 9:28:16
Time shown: 2:35:34
